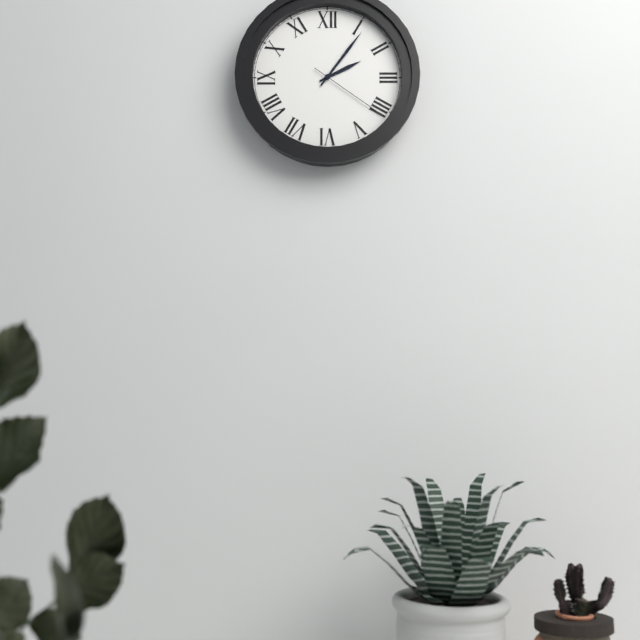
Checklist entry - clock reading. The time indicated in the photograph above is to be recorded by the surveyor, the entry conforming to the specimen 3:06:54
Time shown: 2:06:21
